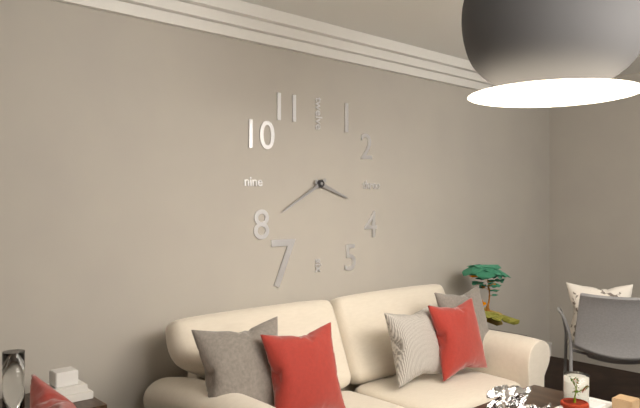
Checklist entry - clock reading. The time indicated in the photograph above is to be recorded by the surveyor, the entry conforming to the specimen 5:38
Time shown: 3:40
